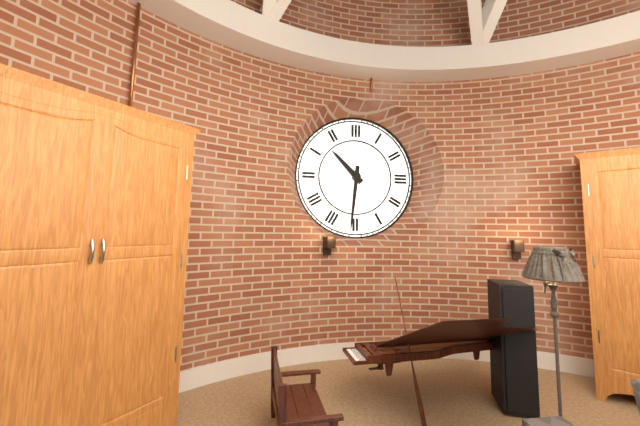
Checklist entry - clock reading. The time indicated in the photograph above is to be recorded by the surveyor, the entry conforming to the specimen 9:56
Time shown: 10:31
